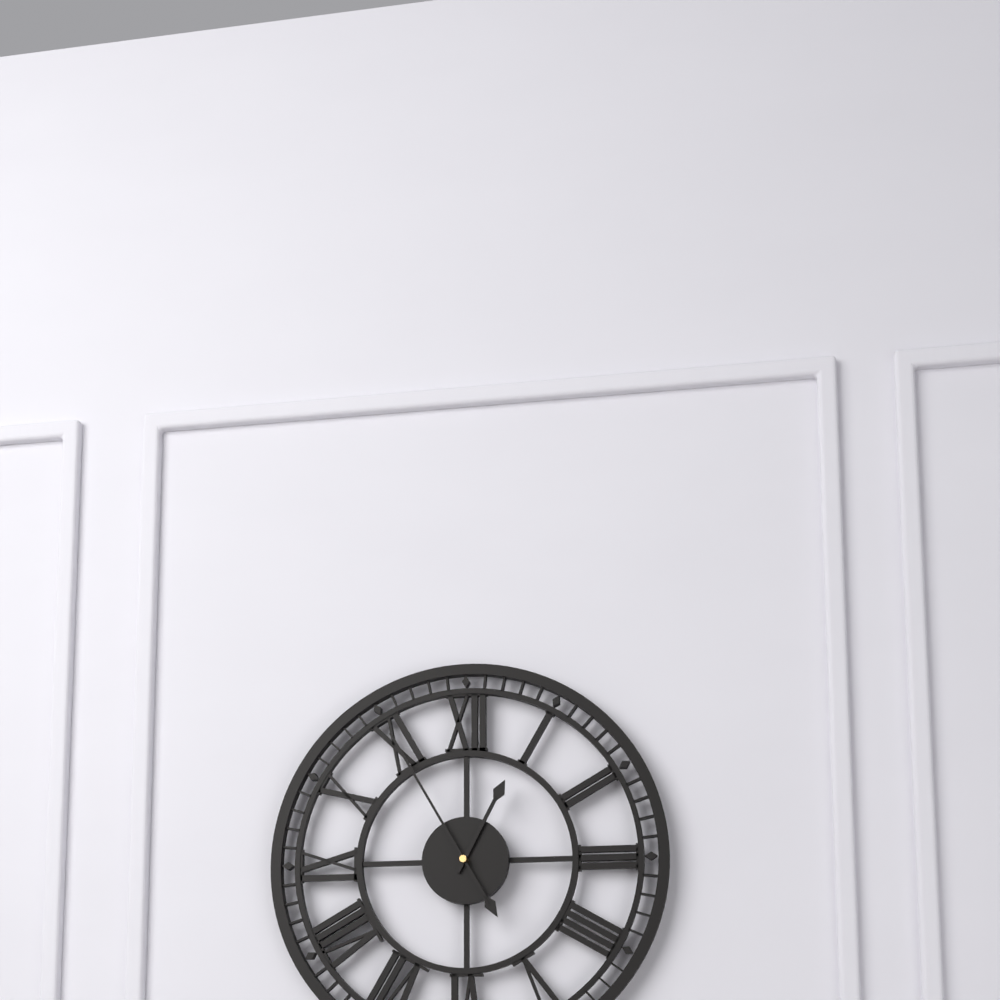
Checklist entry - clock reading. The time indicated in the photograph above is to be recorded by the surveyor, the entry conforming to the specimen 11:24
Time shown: 12:55
